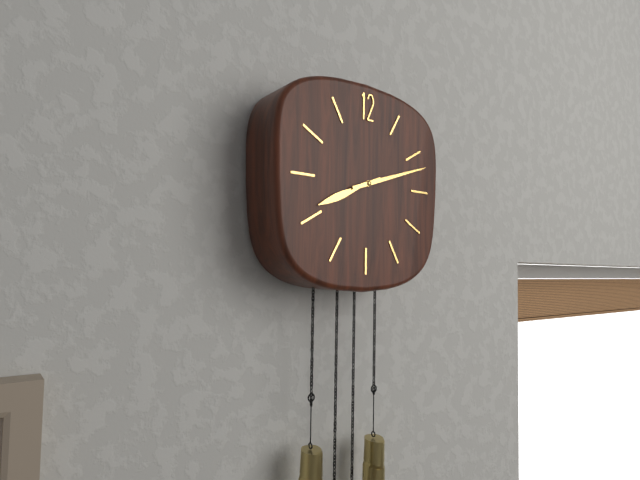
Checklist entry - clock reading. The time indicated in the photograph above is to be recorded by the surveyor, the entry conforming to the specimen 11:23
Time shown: 8:12
